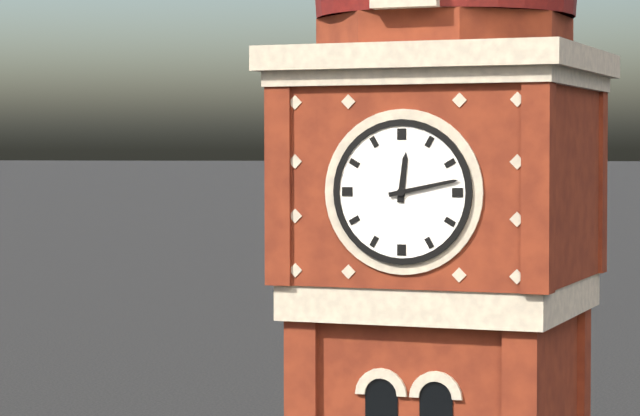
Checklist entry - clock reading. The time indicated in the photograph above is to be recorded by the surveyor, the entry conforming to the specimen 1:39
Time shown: 12:13
